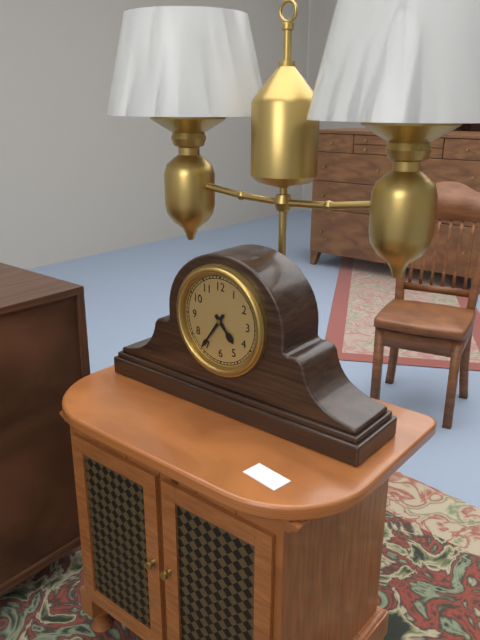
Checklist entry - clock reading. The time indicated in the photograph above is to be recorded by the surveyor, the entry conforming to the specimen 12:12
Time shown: 4:36
